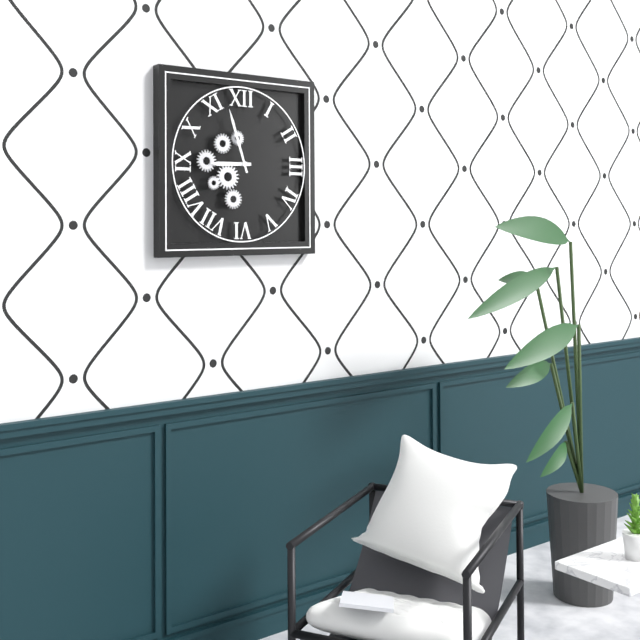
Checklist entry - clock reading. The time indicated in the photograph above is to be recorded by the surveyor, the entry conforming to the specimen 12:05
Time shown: 8:57
